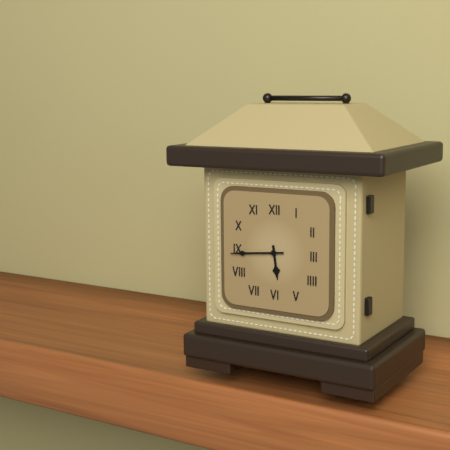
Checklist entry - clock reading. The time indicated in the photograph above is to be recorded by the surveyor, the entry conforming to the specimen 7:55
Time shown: 5:44
